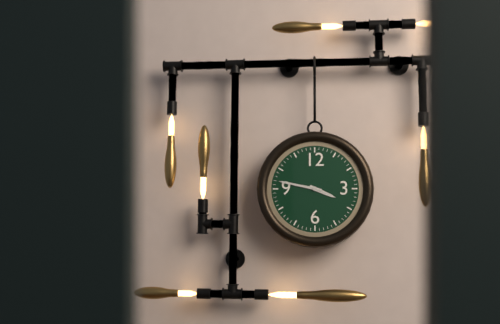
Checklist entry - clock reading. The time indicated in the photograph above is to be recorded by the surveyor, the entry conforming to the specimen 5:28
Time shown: 3:47
